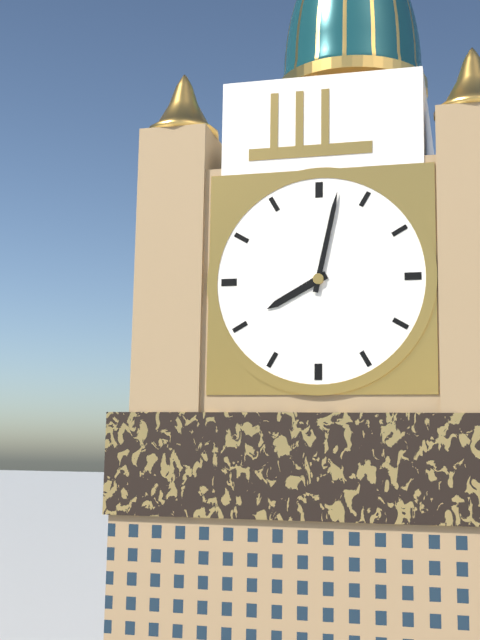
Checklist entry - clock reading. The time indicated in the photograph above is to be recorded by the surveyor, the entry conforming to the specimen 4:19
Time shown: 8:02
